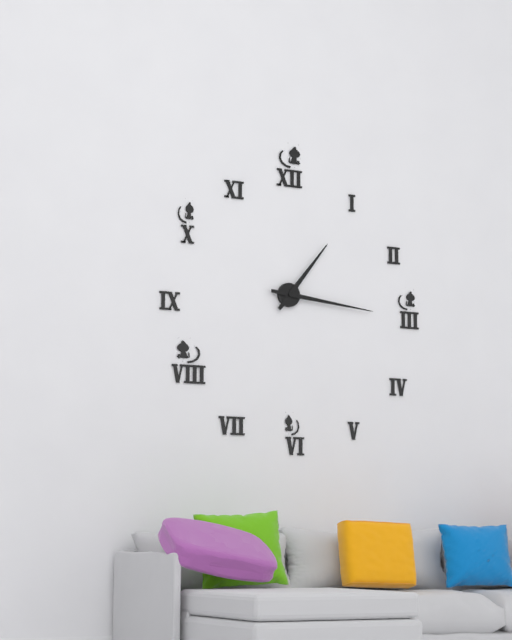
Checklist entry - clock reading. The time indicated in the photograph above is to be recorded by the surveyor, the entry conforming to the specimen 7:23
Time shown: 1:16
